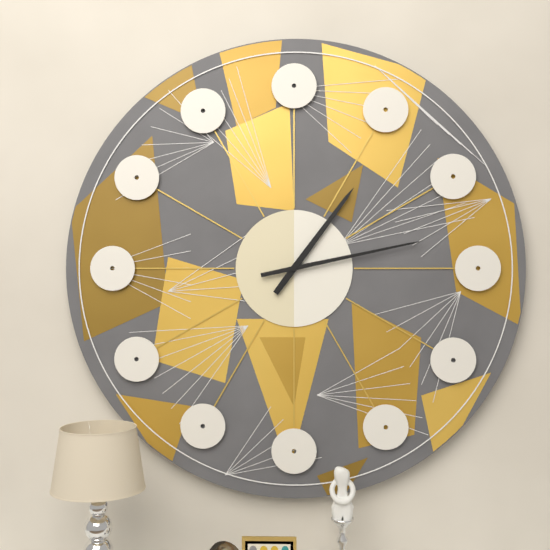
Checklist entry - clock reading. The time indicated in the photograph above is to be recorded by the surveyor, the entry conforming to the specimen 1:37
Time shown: 1:13
